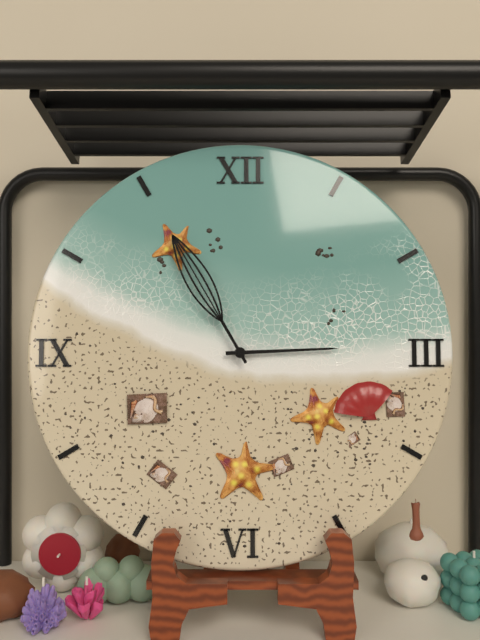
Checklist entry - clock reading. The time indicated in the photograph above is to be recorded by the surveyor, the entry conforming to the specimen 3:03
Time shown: 2:55
